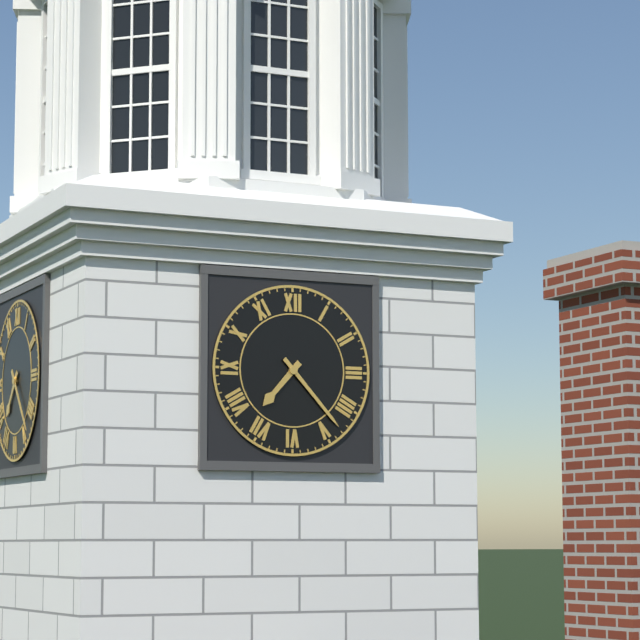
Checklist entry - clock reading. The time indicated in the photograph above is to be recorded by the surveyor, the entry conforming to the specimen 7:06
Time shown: 7:23
